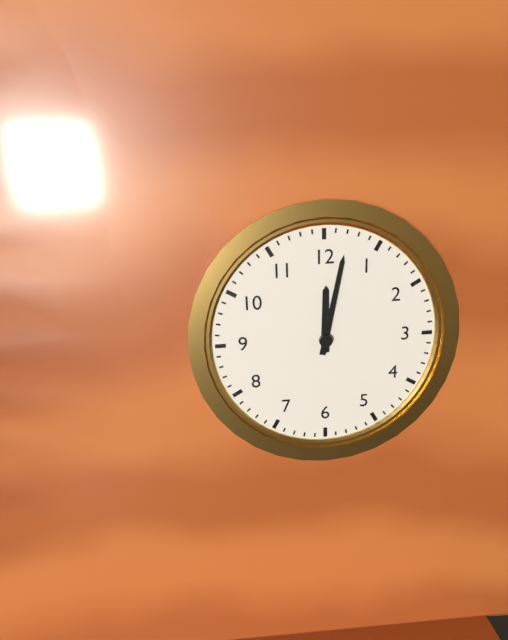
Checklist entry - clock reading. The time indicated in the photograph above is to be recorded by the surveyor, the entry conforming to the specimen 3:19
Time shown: 12:02
